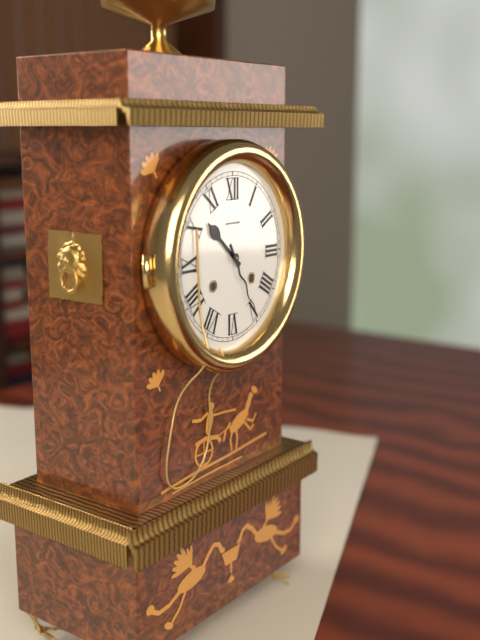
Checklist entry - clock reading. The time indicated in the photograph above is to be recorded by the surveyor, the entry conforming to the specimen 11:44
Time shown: 10:25
